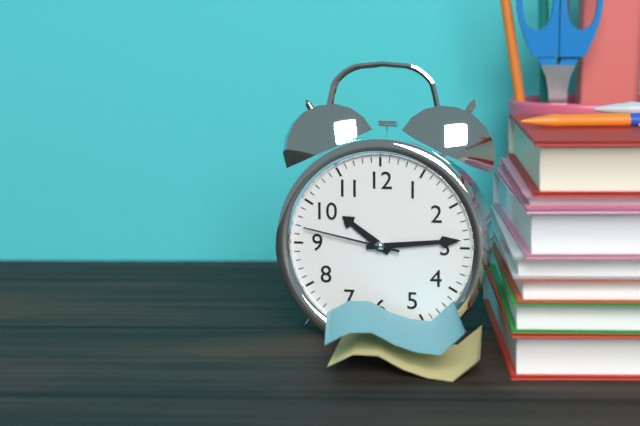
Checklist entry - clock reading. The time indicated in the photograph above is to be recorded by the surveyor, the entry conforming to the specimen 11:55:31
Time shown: 10:14:47
